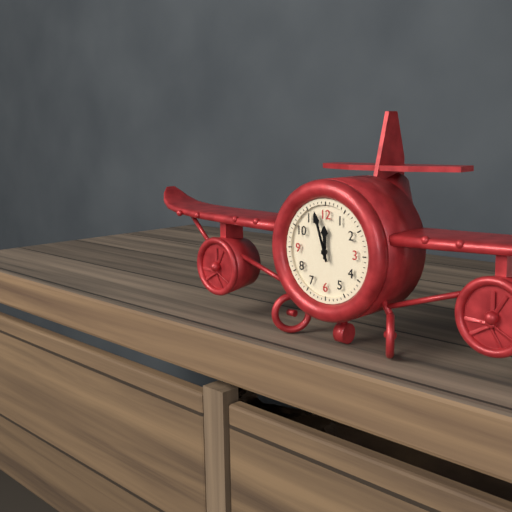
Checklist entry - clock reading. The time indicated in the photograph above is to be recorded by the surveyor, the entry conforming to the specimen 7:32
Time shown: 11:57
